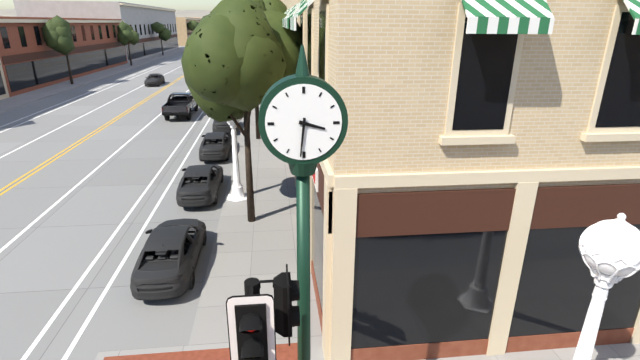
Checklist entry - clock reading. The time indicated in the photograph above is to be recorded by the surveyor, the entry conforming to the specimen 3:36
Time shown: 3:31
